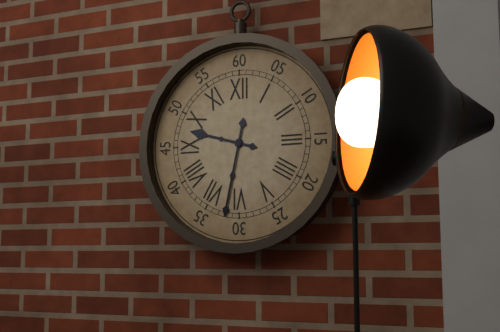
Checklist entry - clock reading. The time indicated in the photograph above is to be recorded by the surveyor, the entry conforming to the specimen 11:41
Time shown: 9:32
